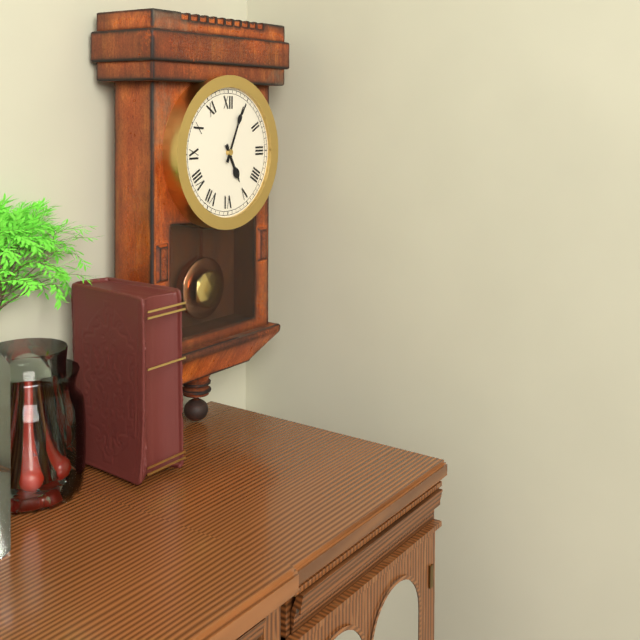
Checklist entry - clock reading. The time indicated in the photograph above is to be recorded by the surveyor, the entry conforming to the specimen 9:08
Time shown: 5:04
